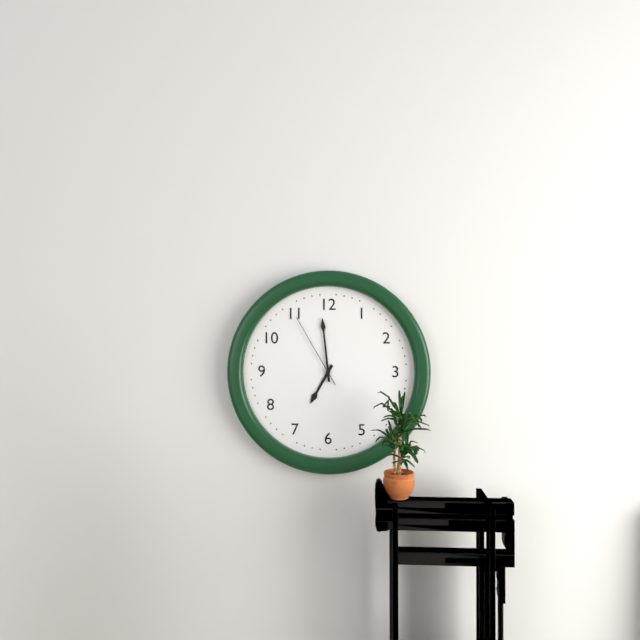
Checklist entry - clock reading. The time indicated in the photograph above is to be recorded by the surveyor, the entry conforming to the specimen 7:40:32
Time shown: 6:59:55
